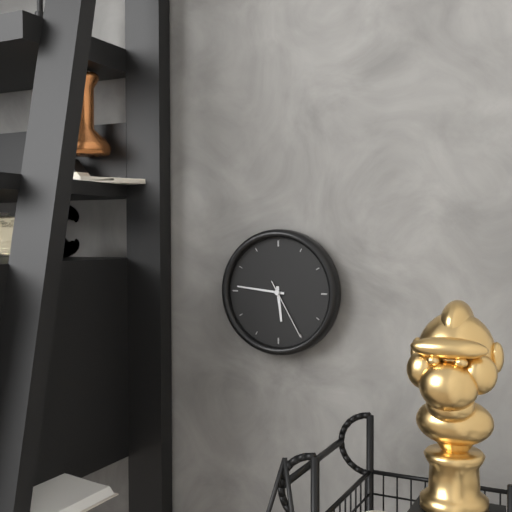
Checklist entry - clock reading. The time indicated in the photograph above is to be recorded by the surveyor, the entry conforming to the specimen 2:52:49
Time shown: 5:46:25
